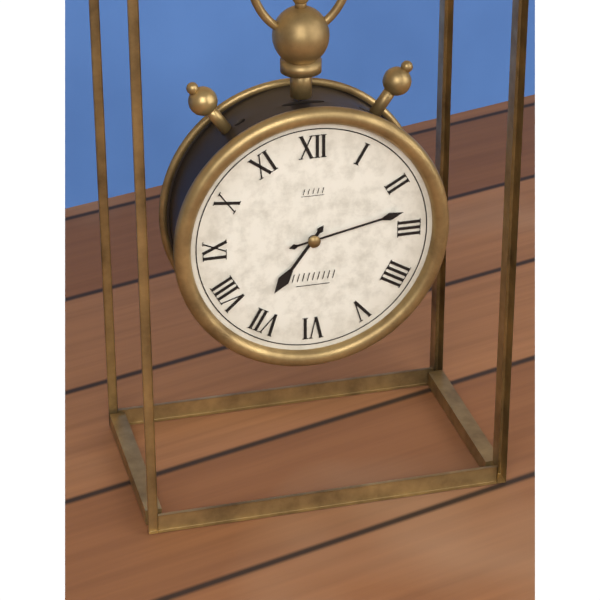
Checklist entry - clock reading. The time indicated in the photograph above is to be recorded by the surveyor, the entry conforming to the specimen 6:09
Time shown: 7:13
